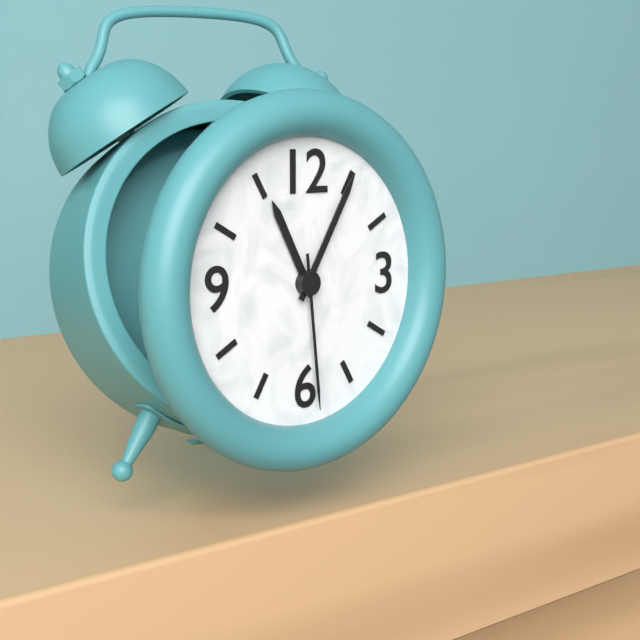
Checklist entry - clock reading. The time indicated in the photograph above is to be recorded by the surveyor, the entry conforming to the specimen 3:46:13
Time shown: 11:05:29
